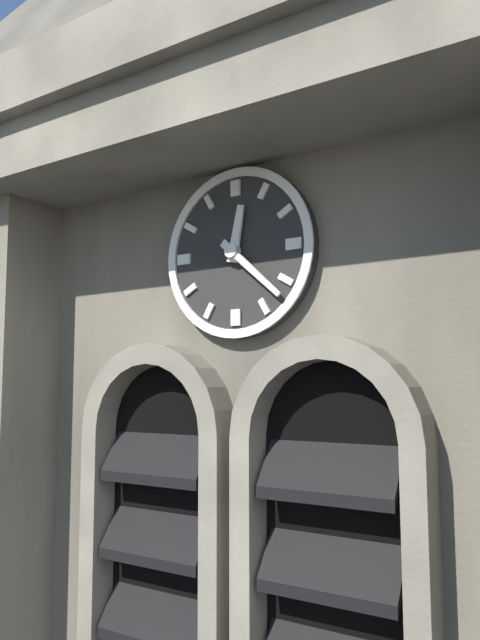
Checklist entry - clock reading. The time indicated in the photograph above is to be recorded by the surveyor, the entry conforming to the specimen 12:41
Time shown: 12:22
